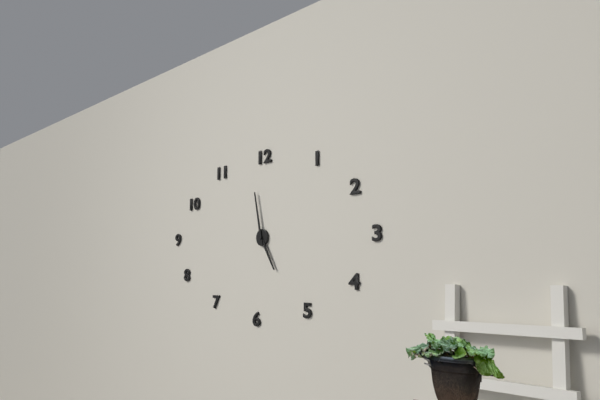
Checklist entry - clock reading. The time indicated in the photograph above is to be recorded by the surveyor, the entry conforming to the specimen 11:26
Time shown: 4:58
